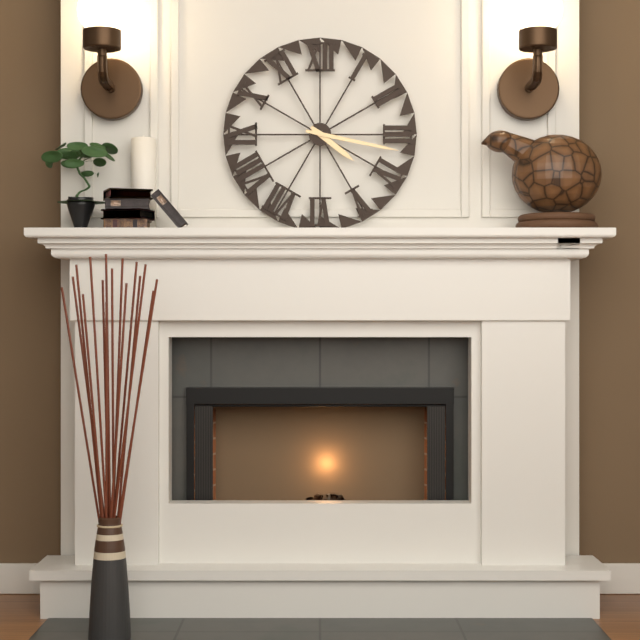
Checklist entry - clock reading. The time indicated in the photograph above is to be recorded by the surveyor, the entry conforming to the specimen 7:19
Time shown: 4:17
